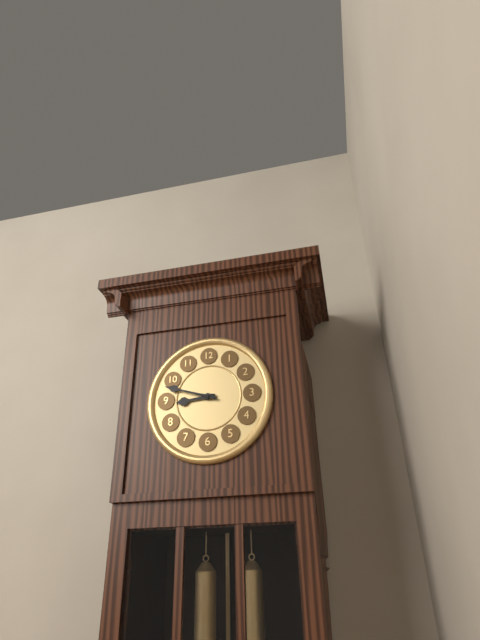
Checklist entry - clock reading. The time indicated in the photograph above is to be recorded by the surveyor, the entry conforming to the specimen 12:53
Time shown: 8:48
